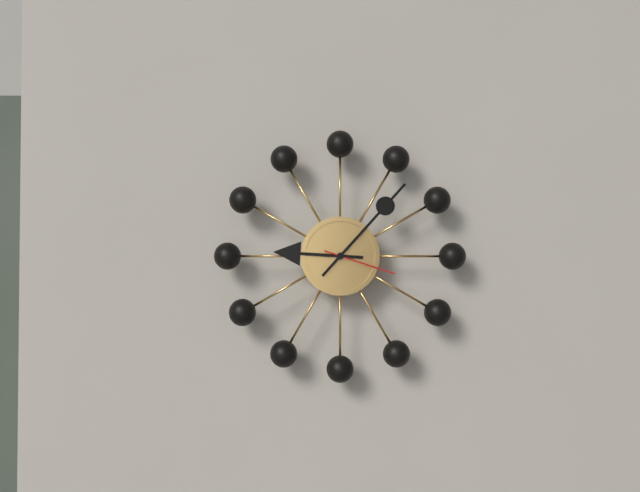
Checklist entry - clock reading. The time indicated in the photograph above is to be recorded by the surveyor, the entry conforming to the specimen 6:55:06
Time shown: 9:07:18
